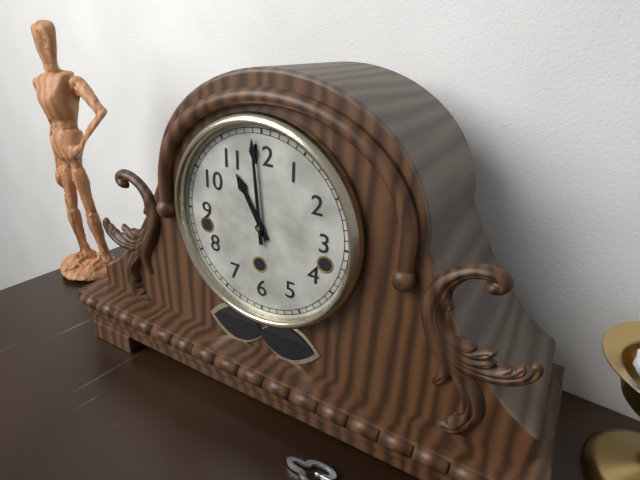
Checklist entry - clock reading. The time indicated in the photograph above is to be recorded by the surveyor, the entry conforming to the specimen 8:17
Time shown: 10:59
